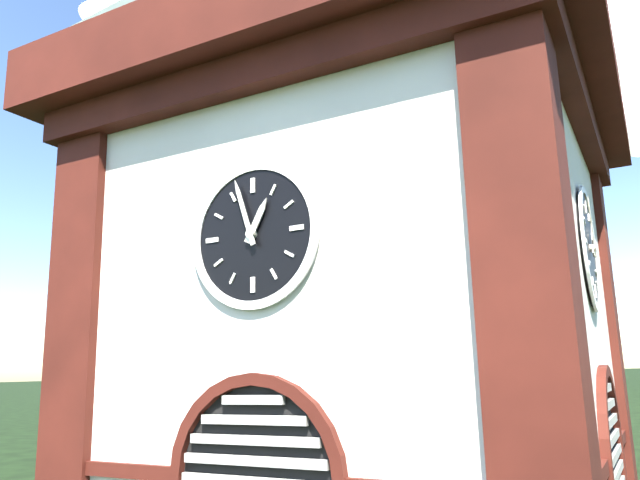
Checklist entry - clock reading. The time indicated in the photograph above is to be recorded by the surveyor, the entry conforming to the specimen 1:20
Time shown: 12:57
